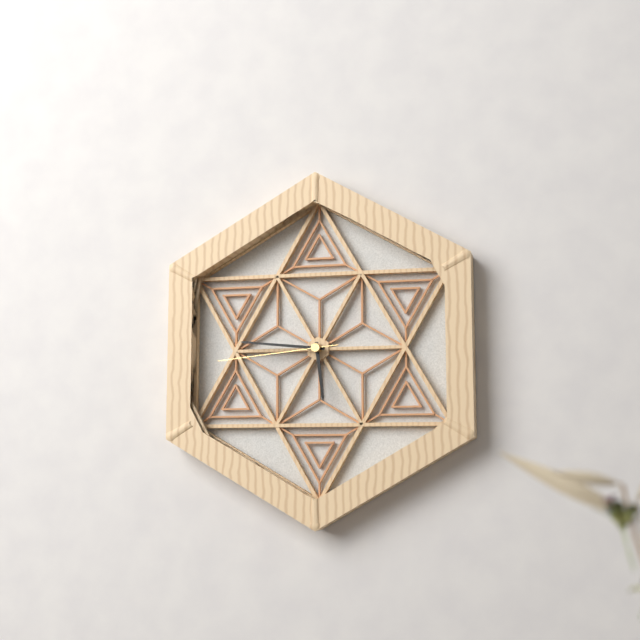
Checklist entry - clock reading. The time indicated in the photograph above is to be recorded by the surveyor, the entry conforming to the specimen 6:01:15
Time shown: 5:46:44
